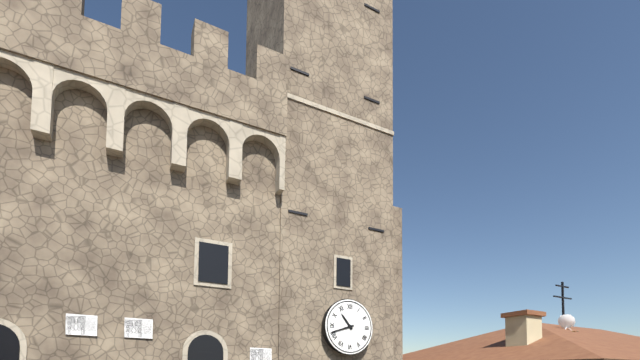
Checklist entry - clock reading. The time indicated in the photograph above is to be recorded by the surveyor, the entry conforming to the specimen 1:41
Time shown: 10:42
